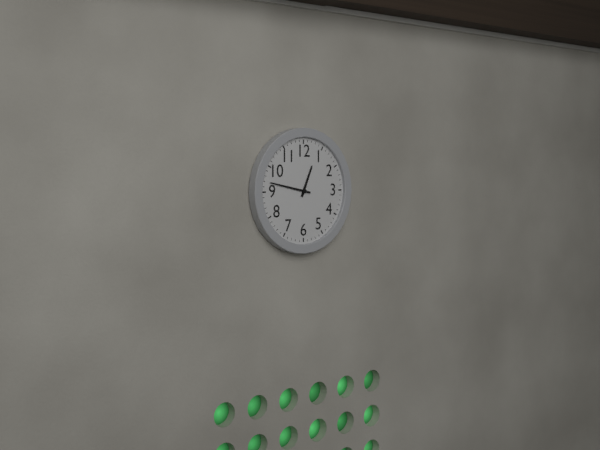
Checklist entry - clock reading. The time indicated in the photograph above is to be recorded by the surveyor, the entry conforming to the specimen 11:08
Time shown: 12:47
